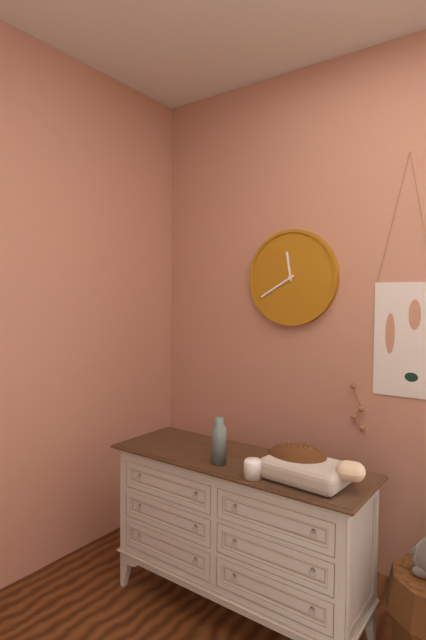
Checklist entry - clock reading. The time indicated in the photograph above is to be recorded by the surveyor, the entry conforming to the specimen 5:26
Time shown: 11:40
